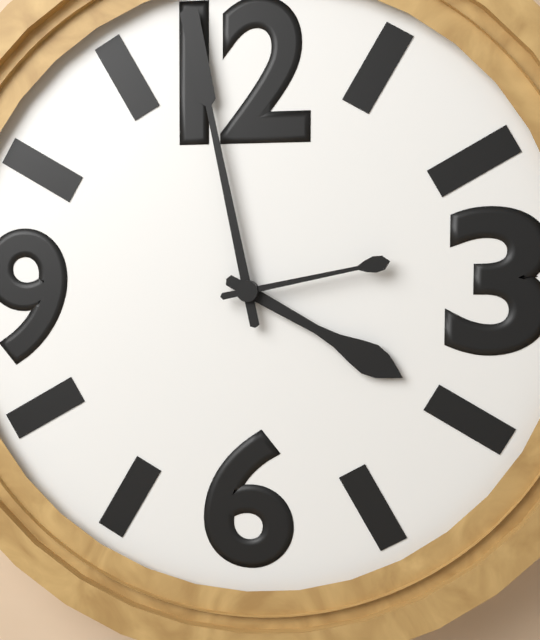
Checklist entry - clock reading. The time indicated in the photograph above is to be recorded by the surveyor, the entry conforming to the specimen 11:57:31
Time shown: 3:58:13
